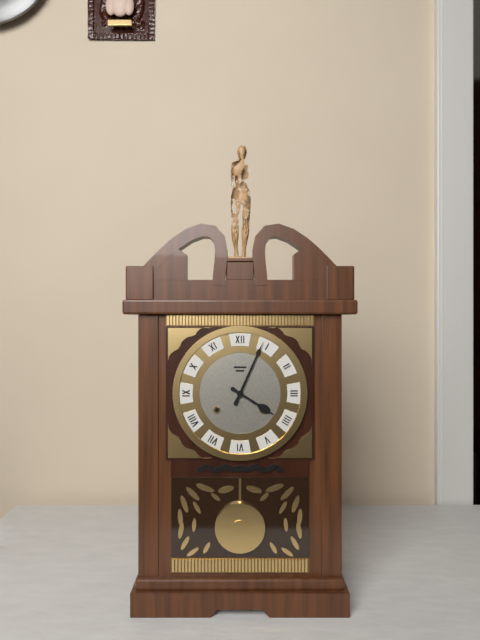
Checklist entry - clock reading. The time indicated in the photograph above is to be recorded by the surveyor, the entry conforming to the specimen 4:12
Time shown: 4:04
